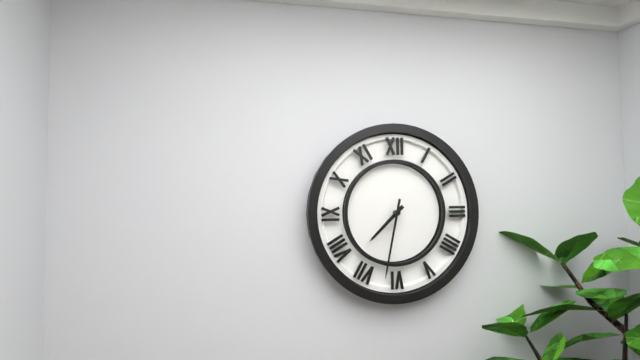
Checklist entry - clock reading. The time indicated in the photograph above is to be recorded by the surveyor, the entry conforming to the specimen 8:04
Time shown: 7:32
